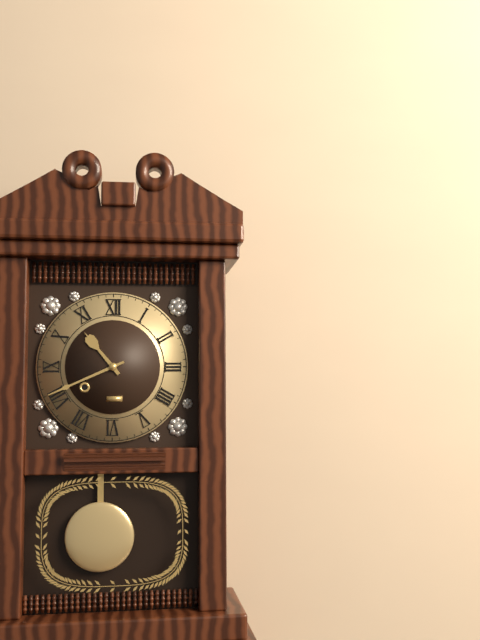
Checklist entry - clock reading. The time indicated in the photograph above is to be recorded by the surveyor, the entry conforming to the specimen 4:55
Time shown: 10:41
